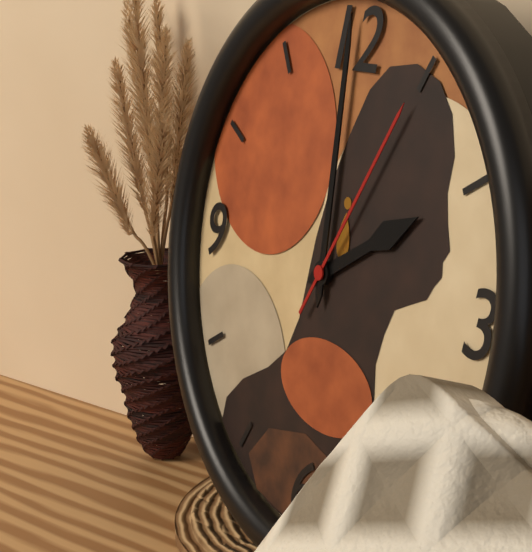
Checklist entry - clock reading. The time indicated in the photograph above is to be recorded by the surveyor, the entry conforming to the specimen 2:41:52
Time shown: 2:00:05
